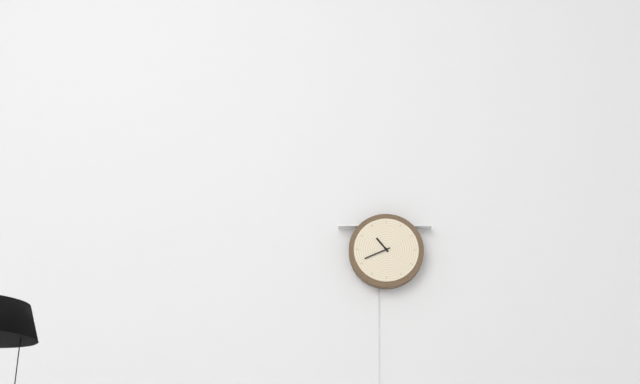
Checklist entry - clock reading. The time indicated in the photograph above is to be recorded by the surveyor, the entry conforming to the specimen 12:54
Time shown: 10:41
